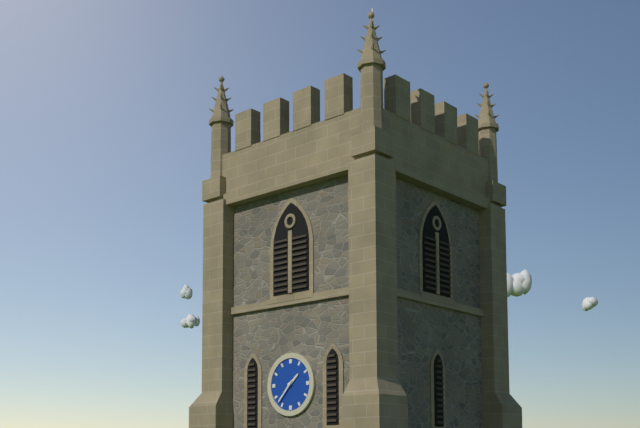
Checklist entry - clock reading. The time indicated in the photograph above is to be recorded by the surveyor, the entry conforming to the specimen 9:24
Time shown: 1:37
